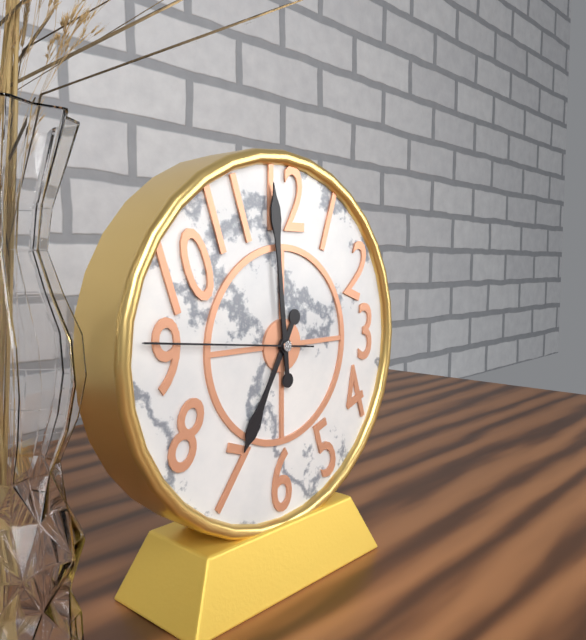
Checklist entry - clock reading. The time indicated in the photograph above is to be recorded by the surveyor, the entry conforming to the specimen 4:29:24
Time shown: 6:59:46
